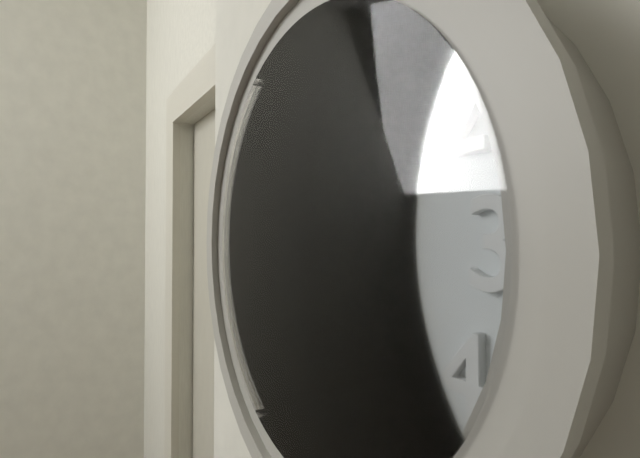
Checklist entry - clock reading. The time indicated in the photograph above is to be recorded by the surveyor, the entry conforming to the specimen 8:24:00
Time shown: 7:57:10
